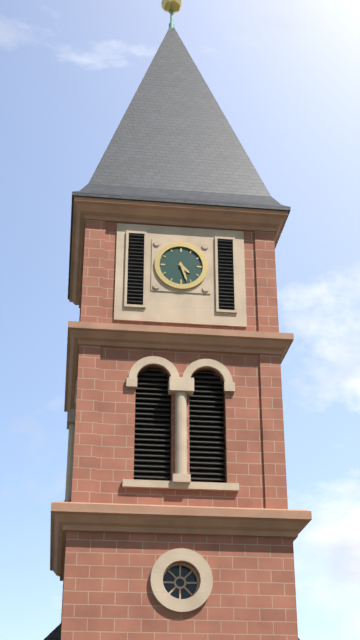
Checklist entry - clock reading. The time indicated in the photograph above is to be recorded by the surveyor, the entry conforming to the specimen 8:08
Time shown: 4:27
